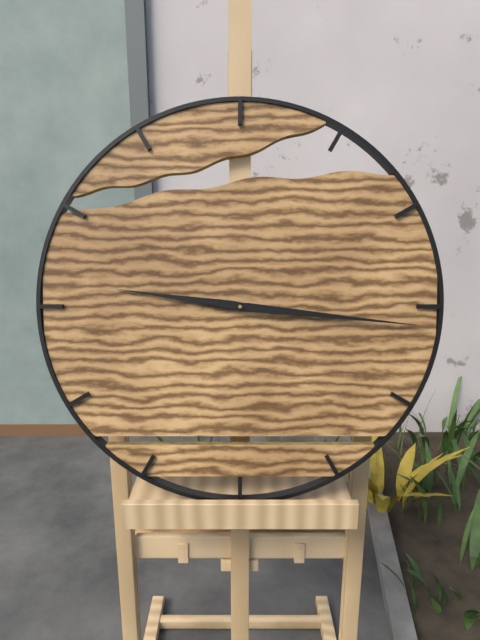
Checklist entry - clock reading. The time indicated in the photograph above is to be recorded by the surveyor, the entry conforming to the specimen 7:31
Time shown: 9:16
